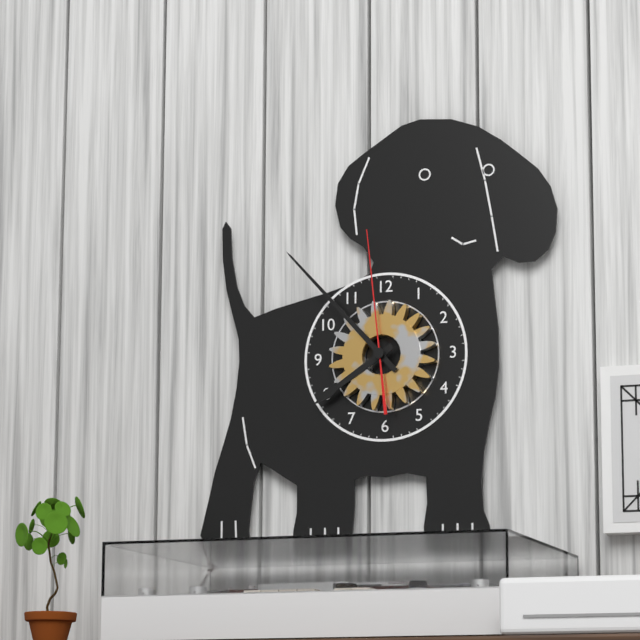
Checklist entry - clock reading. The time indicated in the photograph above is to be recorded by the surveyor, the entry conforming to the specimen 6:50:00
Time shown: 7:53:59
